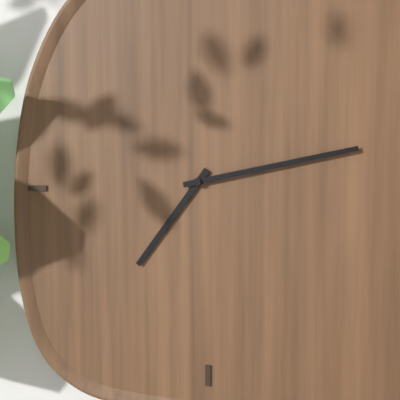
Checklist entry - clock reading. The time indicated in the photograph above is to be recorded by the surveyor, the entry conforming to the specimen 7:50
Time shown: 7:13
